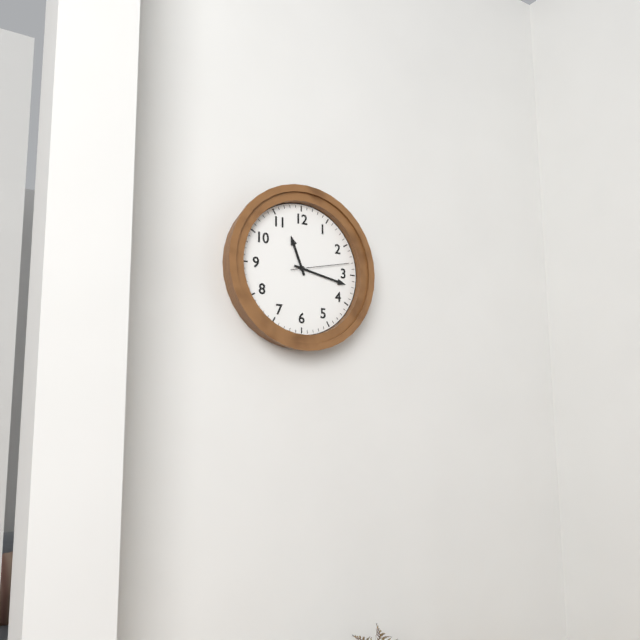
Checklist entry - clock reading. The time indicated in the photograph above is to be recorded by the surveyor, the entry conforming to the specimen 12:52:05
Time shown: 11:17:13
